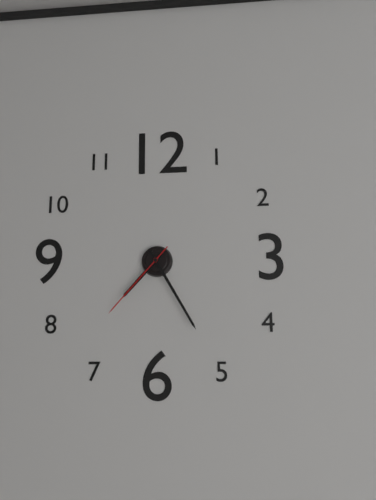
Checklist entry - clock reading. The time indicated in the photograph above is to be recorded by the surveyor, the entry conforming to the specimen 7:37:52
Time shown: 7:25:37
